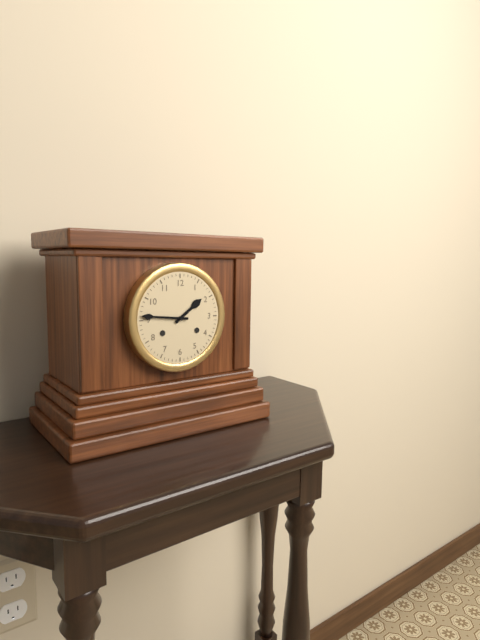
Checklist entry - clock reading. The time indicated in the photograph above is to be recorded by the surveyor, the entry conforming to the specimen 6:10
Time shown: 1:46
